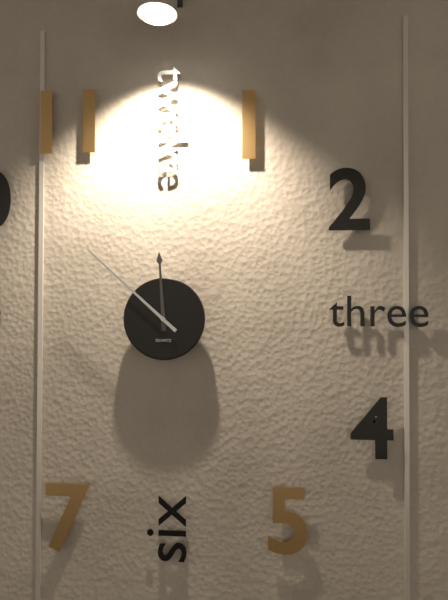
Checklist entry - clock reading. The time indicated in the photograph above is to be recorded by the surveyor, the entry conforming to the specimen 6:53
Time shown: 11:52
